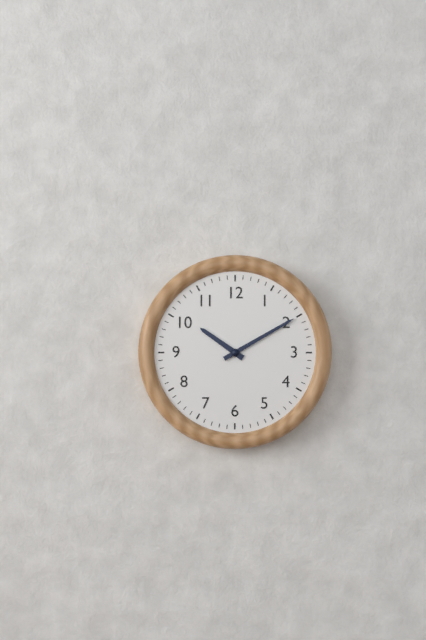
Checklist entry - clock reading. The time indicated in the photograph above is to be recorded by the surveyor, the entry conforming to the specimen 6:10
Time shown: 10:10
